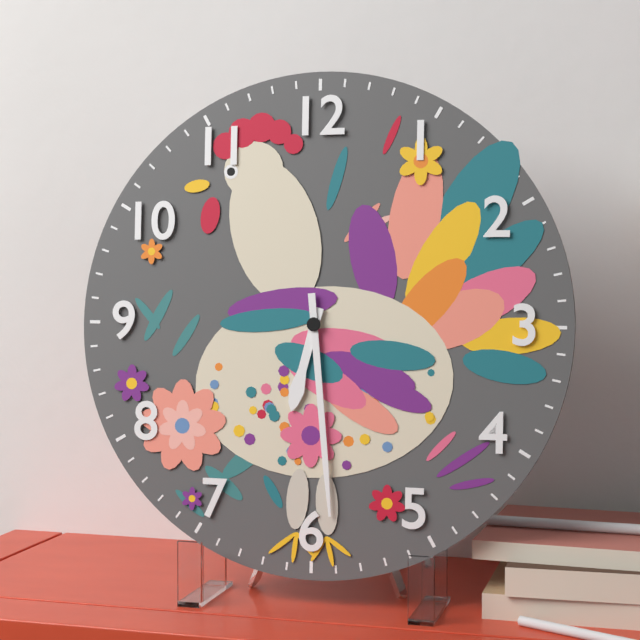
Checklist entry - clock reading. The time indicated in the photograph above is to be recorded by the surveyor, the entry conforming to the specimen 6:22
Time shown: 6:29
